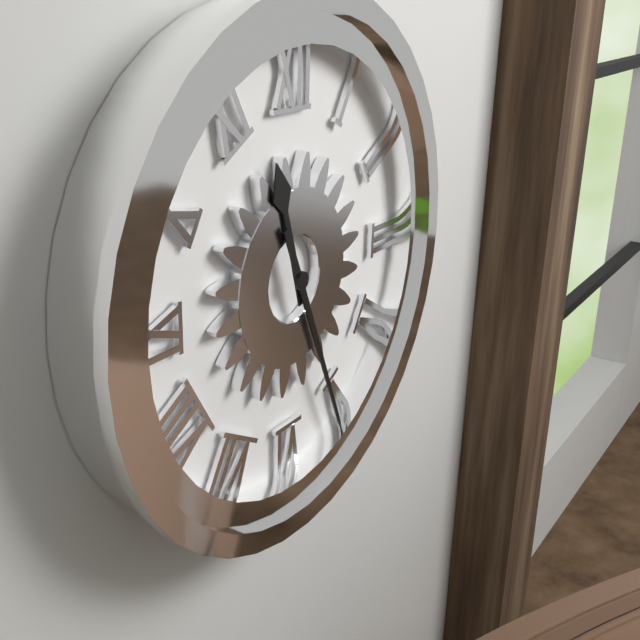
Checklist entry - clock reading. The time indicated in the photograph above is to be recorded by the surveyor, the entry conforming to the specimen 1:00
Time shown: 11:26
